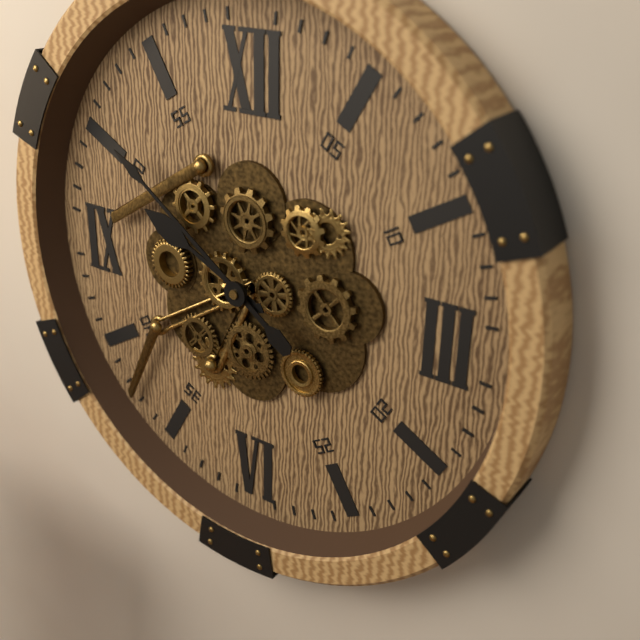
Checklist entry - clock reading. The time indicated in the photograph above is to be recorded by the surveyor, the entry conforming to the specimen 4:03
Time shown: 9:51
